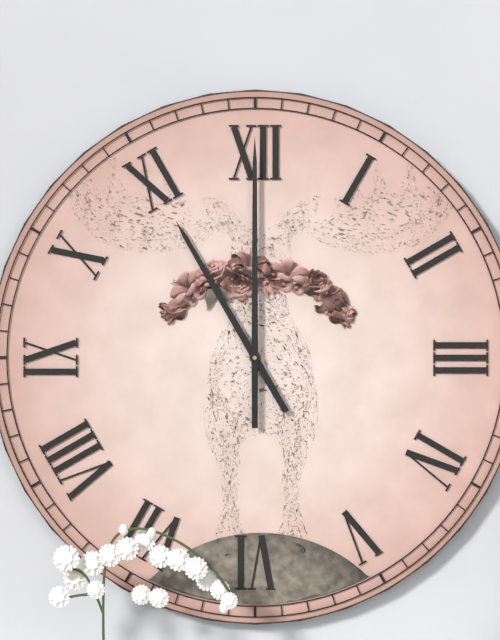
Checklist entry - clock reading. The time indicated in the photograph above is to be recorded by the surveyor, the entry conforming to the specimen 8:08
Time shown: 11:00
